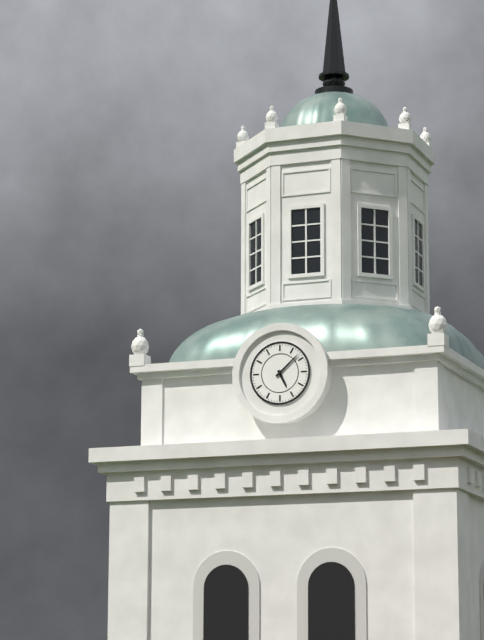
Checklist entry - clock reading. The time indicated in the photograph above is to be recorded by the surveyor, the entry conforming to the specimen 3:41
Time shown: 5:08
